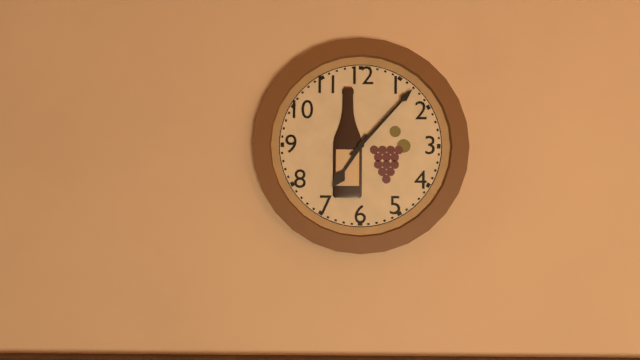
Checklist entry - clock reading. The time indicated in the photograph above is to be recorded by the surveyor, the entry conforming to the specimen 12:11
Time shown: 7:07
